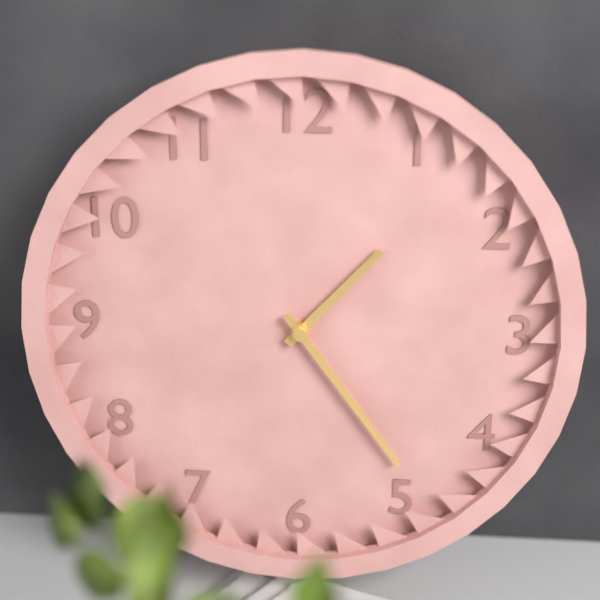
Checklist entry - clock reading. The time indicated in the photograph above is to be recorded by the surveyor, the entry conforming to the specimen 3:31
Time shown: 1:24
